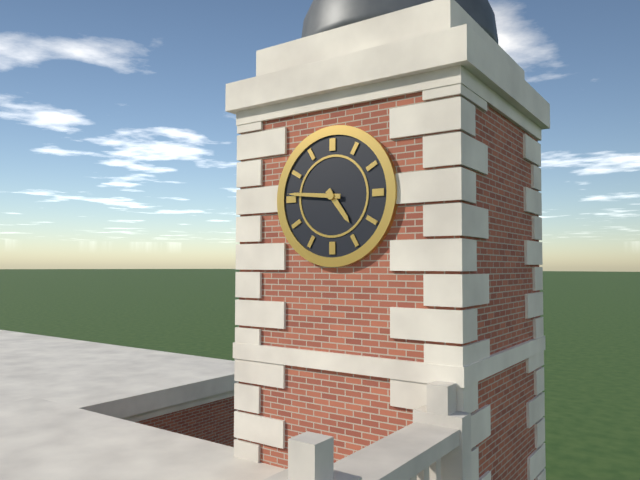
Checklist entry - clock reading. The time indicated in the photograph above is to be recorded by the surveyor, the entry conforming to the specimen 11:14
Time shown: 4:46
